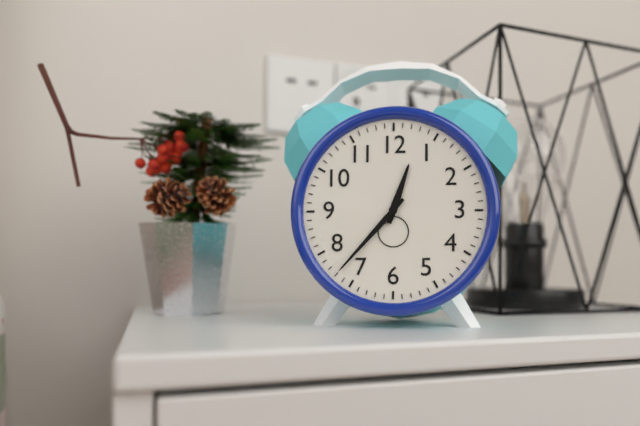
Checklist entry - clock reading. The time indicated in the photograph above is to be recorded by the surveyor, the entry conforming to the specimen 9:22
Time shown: 12:37
